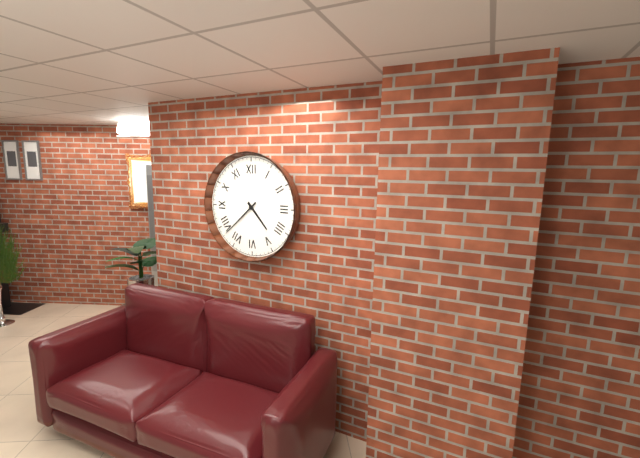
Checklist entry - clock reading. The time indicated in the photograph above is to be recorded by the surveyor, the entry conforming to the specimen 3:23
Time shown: 4:38
